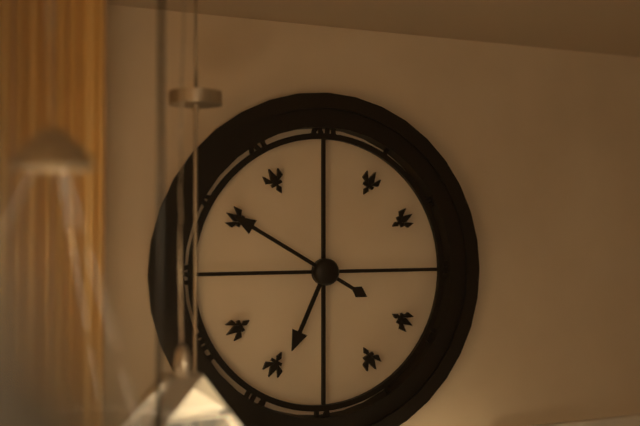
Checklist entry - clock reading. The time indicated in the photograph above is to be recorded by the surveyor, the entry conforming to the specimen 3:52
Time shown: 6:50
